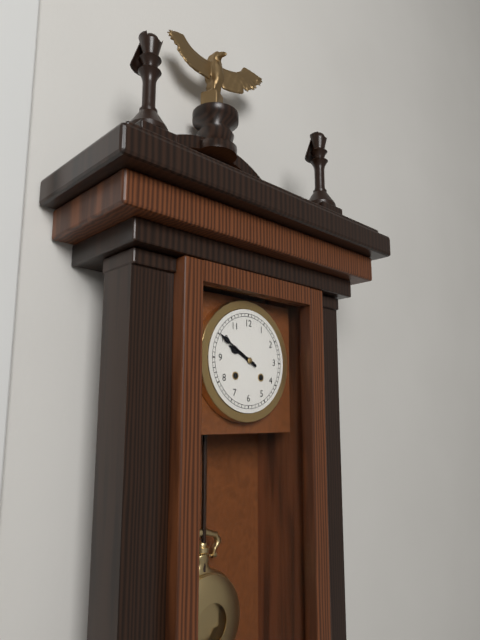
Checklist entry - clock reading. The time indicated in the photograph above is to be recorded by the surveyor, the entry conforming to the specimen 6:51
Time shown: 9:50
